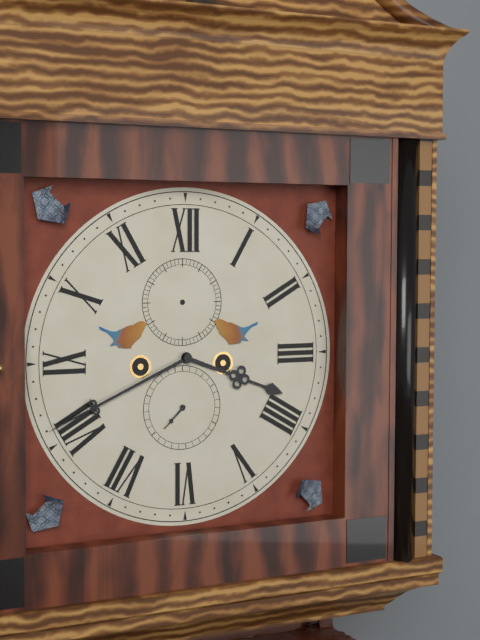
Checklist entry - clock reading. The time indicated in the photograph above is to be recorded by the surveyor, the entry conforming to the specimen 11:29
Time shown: 3:41
